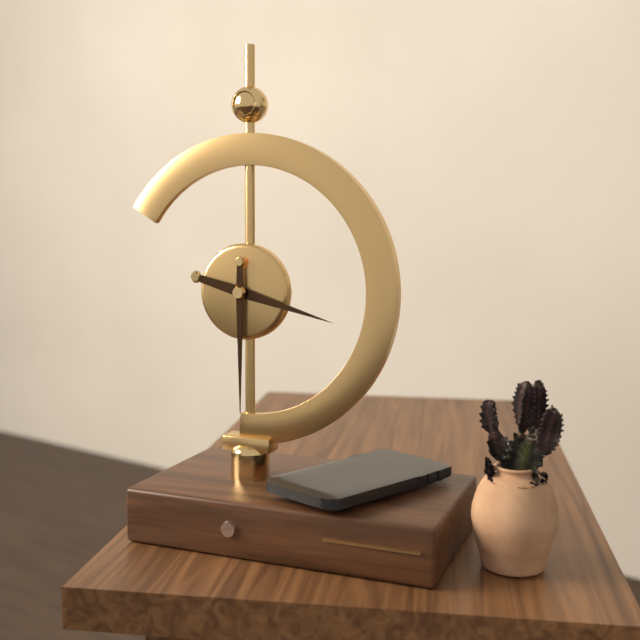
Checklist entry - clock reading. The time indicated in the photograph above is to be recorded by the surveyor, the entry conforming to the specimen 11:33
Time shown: 3:30
